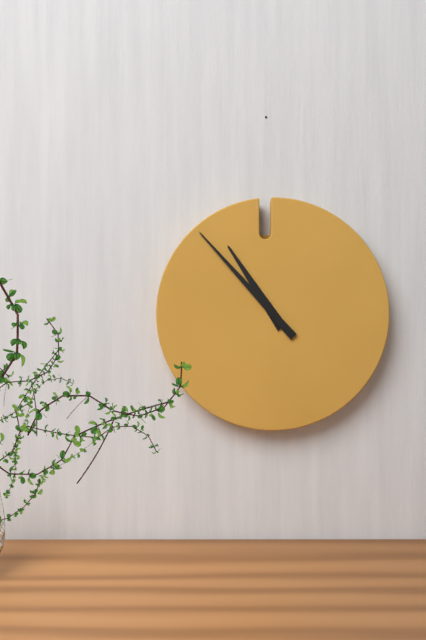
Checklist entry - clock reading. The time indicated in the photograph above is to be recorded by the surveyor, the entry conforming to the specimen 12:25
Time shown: 10:53
